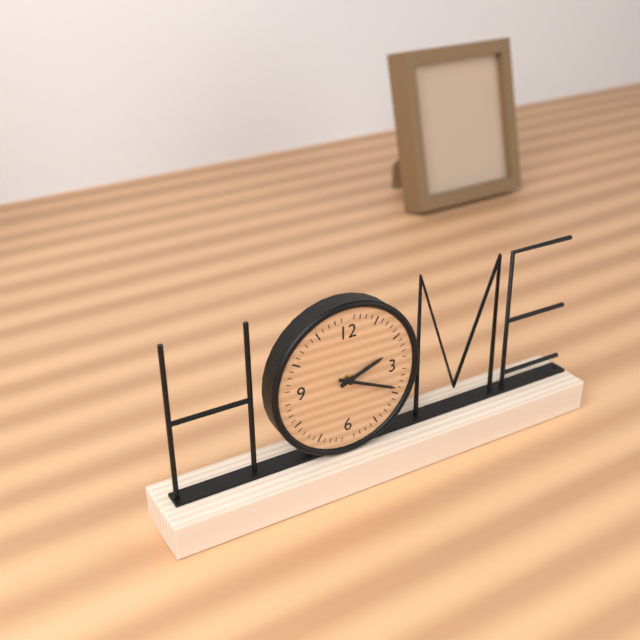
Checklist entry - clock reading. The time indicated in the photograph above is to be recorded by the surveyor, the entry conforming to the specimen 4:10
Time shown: 2:19
